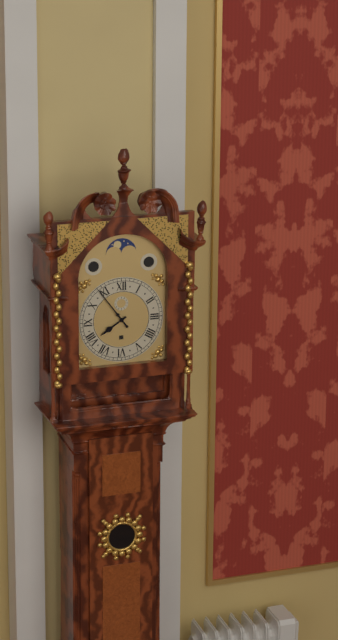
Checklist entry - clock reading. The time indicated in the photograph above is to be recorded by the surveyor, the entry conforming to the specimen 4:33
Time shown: 7:54
